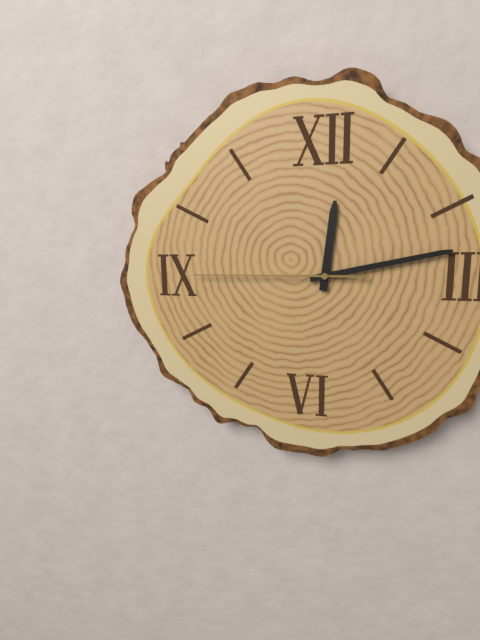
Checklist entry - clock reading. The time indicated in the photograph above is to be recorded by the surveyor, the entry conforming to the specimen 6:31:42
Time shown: 12:13:45
